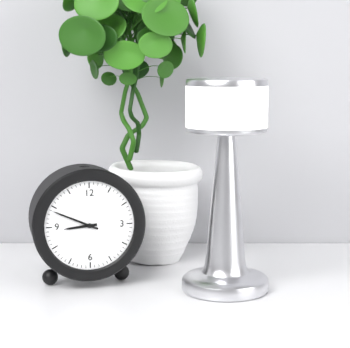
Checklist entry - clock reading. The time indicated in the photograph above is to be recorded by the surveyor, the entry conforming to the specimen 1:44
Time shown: 8:49
